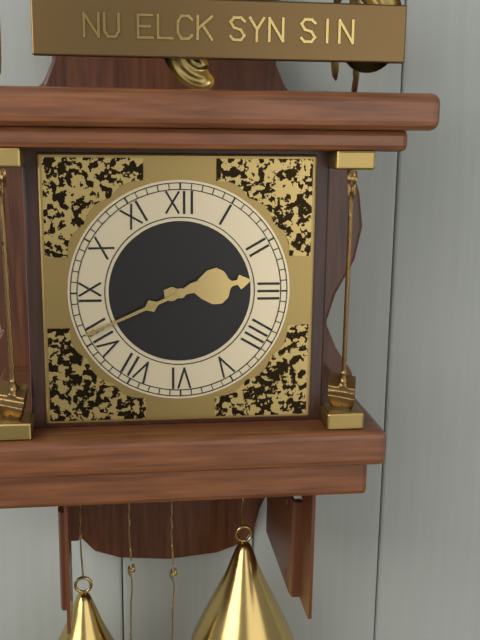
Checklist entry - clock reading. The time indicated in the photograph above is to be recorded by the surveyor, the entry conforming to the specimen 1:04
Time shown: 2:41
